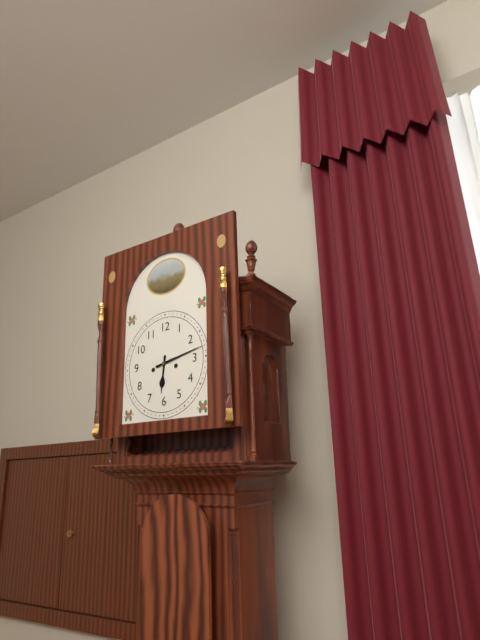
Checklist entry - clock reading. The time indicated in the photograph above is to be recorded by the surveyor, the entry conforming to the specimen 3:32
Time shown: 6:13
